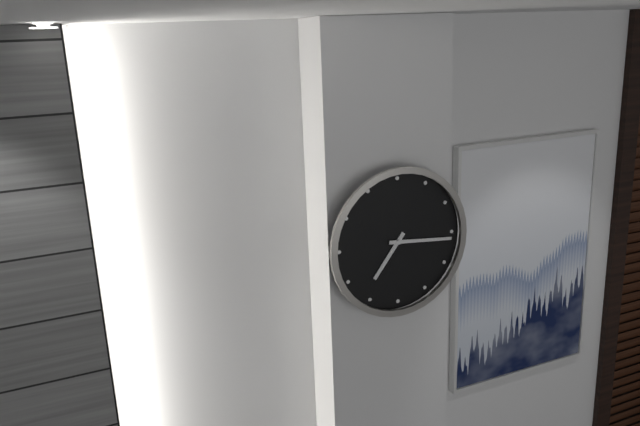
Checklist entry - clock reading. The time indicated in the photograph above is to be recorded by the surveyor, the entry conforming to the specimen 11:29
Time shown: 7:16
